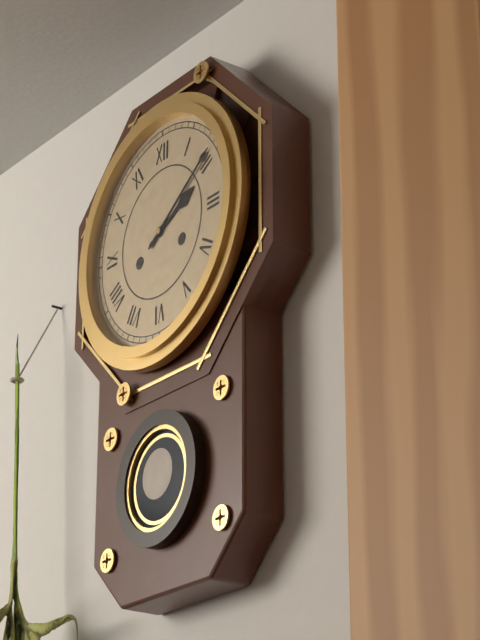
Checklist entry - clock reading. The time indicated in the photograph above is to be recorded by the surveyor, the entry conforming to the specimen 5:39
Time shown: 2:09
